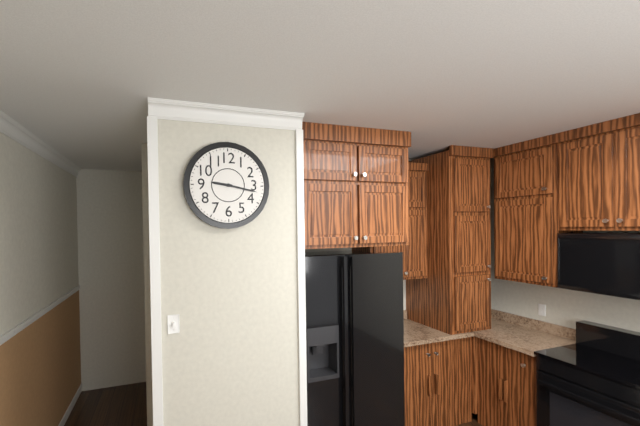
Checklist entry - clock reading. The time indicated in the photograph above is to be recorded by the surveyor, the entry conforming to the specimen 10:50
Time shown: 9:17
